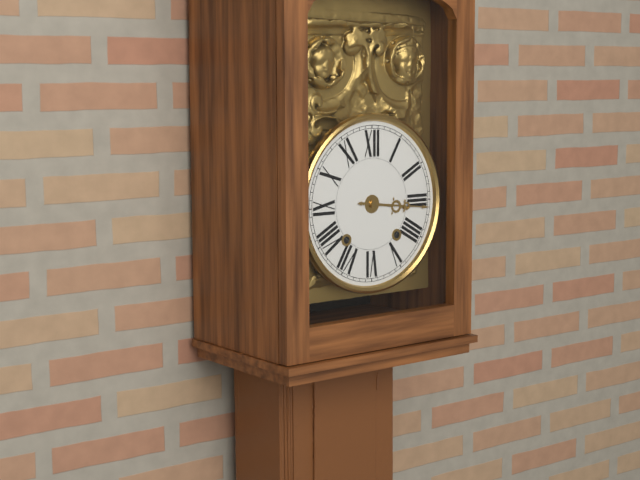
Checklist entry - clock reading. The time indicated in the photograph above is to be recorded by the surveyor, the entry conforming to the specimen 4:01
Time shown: 3:16
